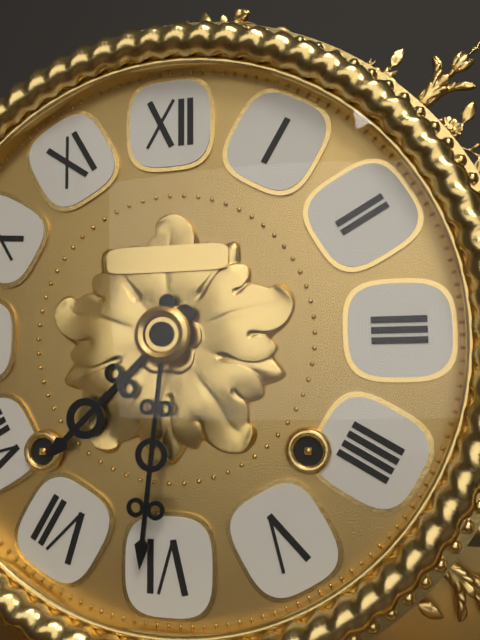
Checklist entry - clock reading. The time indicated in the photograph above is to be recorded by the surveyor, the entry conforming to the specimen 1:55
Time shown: 7:31
